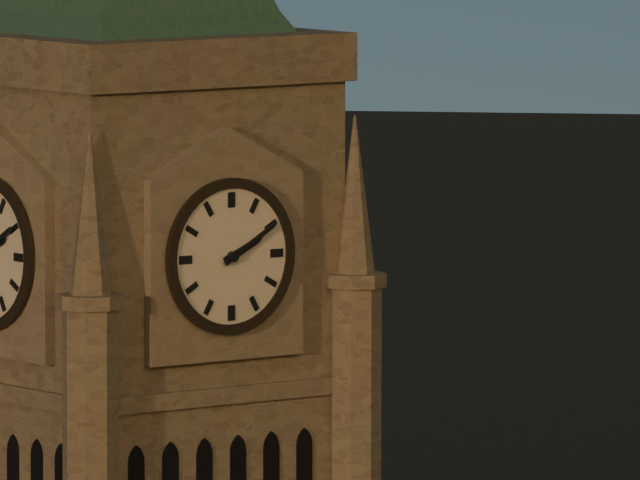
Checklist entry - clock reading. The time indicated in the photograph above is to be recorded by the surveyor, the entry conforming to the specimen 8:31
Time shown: 2:10
